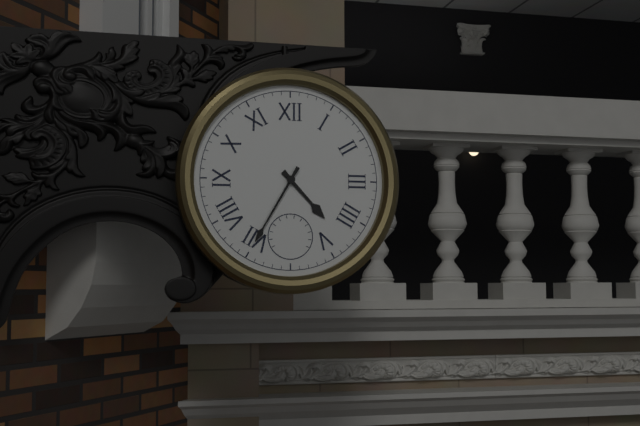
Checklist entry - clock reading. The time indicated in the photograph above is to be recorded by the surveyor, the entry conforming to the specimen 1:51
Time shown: 4:35
